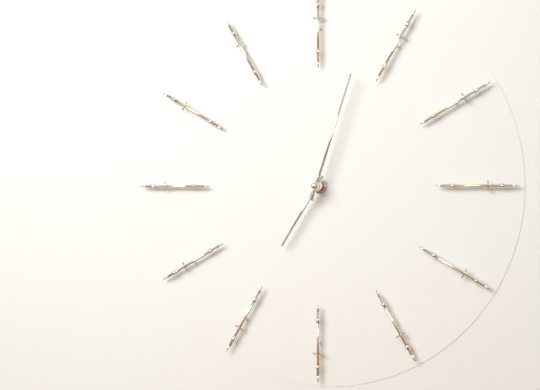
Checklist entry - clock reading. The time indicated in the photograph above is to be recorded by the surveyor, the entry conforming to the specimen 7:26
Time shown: 7:03
